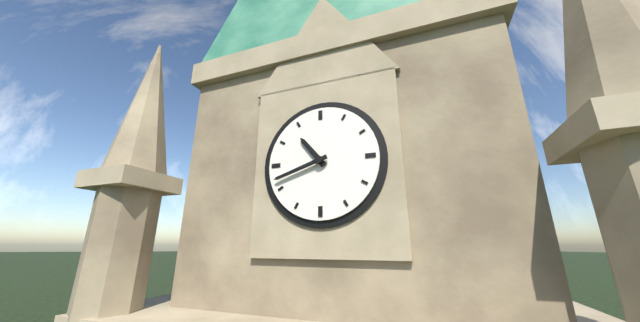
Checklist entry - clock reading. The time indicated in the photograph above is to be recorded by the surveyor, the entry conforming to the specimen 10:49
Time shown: 10:42
